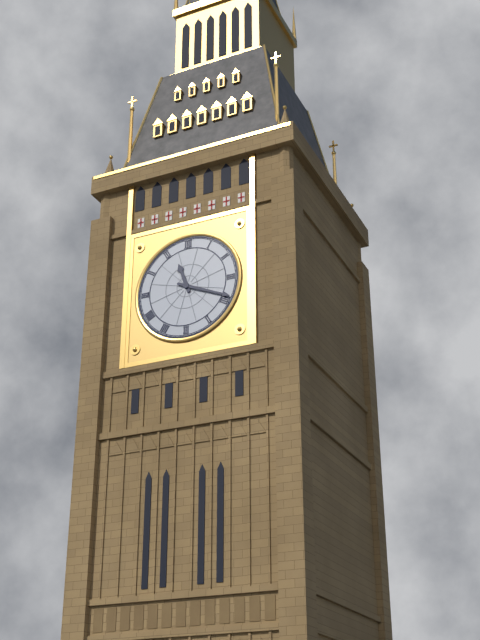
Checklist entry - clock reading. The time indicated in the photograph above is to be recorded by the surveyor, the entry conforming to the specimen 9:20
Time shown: 11:19
